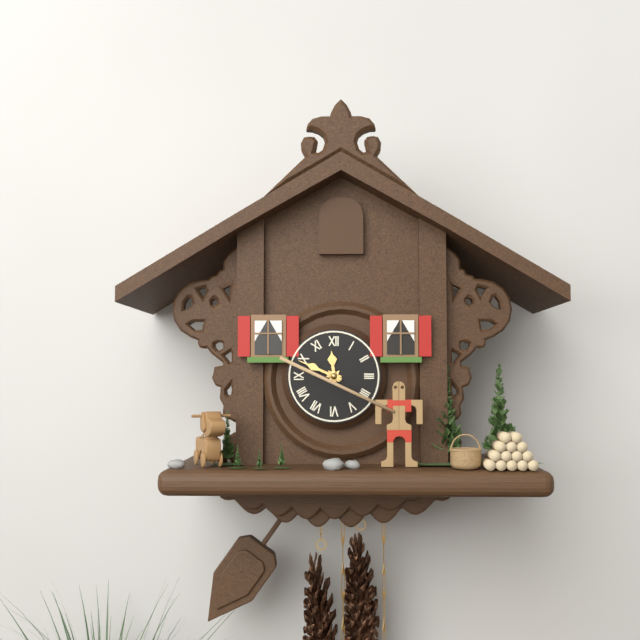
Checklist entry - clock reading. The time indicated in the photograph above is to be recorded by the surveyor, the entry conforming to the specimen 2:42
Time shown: 11:49
